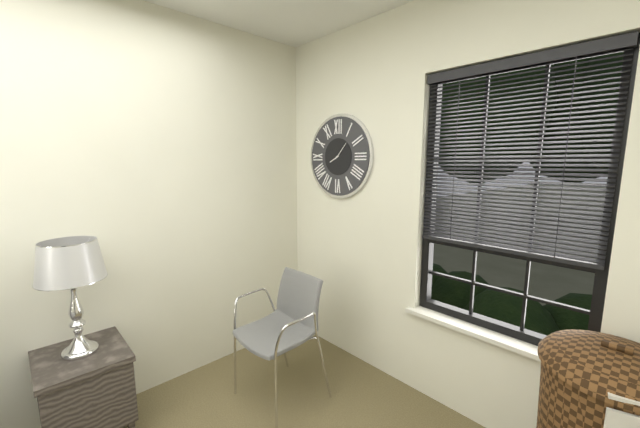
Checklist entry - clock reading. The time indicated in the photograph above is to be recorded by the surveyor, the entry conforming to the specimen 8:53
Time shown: 8:07
